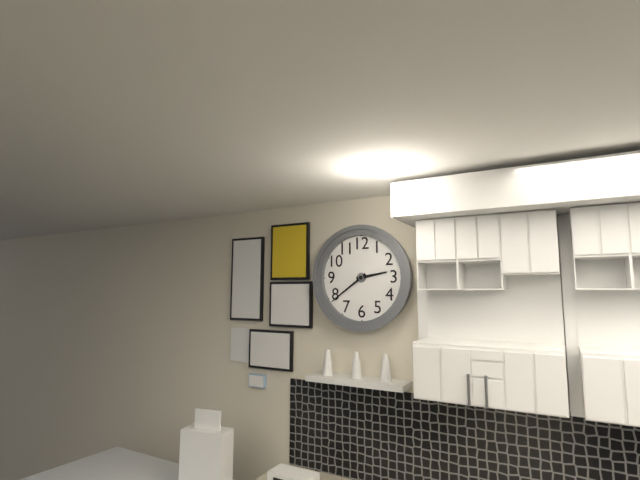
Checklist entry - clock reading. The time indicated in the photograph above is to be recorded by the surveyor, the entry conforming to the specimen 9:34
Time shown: 2:39
